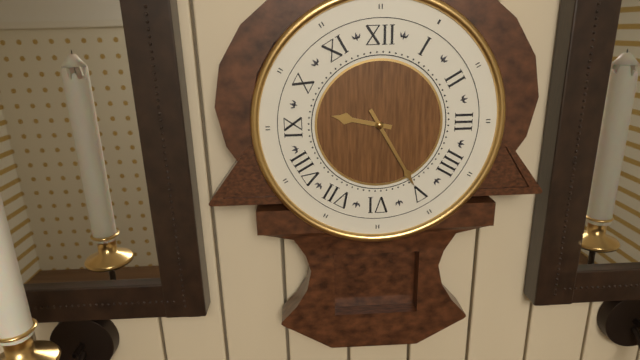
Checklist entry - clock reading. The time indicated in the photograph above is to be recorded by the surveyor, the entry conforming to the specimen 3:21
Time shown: 9:25
